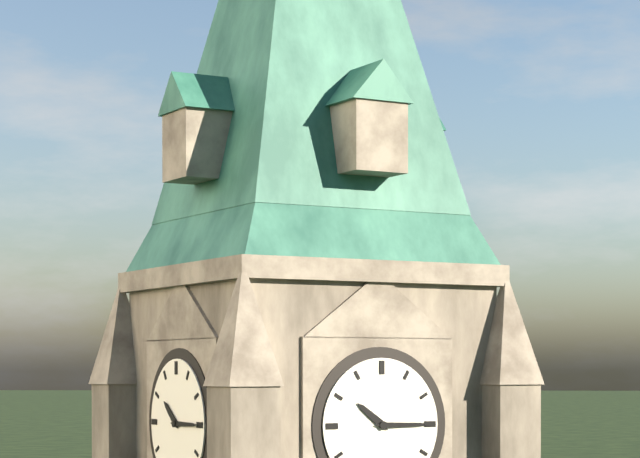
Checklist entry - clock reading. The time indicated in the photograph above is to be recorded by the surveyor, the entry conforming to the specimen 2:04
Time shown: 10:15
